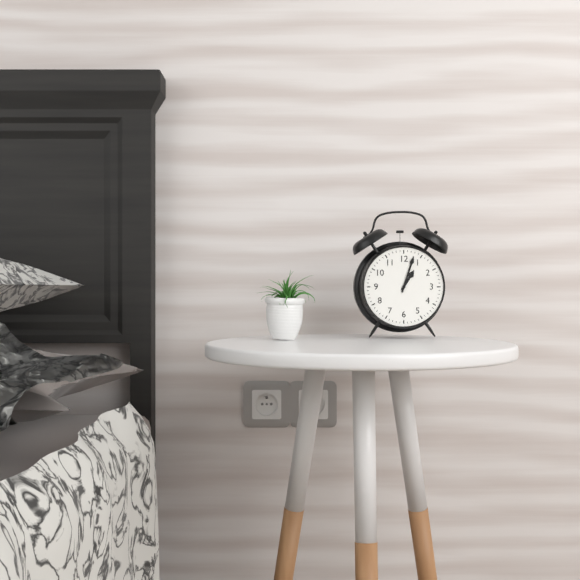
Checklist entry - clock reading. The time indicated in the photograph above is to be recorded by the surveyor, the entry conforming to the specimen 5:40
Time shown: 1:03
